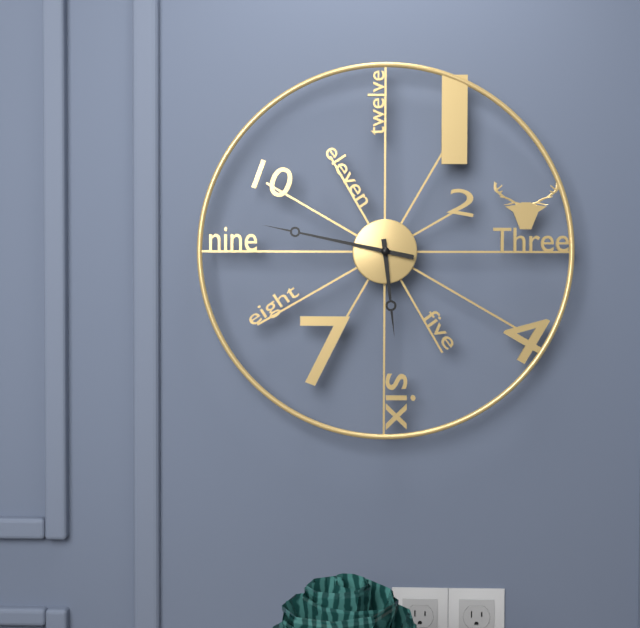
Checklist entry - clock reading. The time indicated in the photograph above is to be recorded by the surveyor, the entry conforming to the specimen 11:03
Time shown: 5:47
